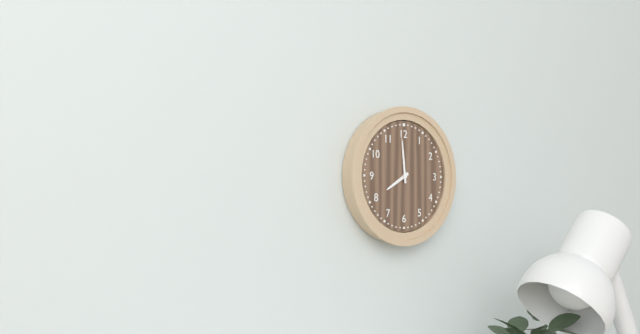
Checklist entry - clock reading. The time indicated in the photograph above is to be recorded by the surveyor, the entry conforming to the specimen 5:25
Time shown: 7:59
